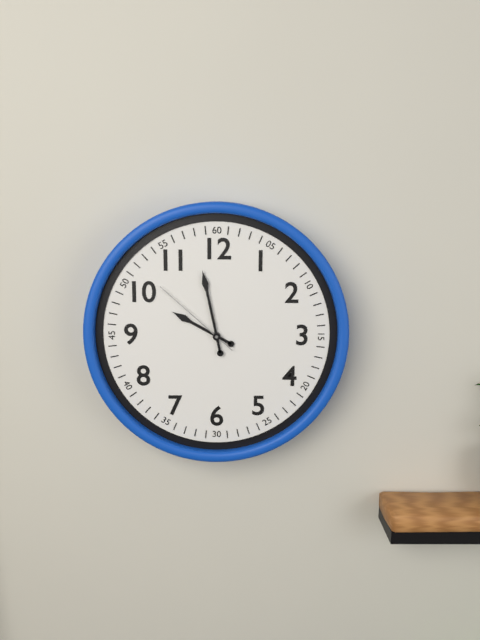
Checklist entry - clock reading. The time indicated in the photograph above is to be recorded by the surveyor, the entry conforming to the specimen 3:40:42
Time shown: 9:58:52
